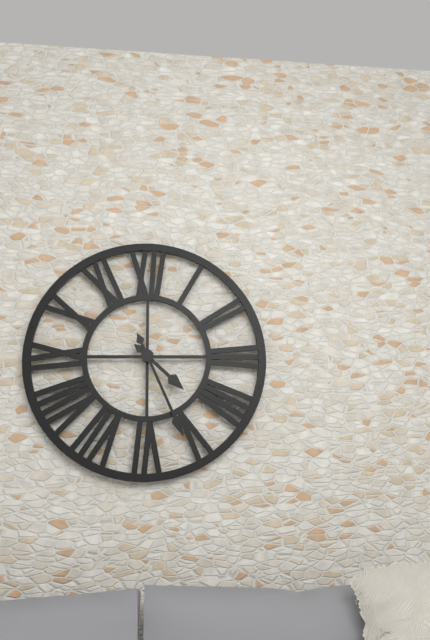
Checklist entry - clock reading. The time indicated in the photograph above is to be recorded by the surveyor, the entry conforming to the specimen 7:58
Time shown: 4:26
